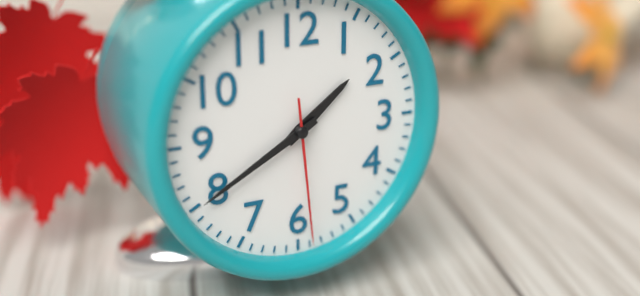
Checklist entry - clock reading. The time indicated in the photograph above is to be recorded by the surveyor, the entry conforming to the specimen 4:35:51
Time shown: 1:40:29
